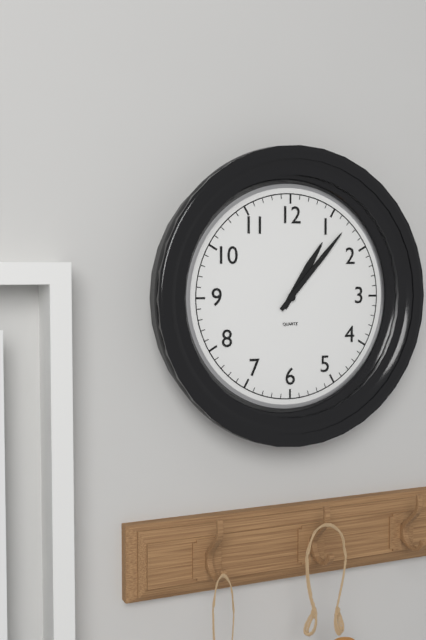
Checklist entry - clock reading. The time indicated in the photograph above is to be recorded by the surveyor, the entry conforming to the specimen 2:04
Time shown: 1:07
